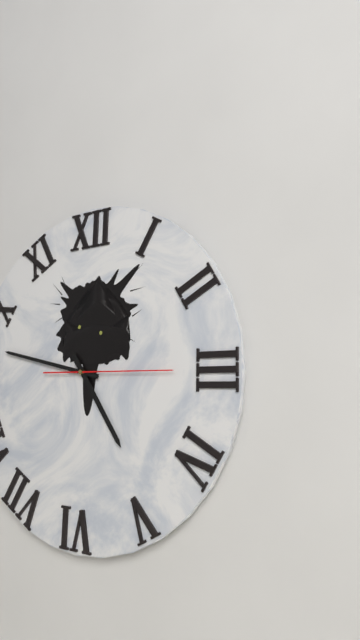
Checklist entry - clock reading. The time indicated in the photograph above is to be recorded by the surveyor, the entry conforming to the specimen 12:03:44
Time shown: 4:47:15
